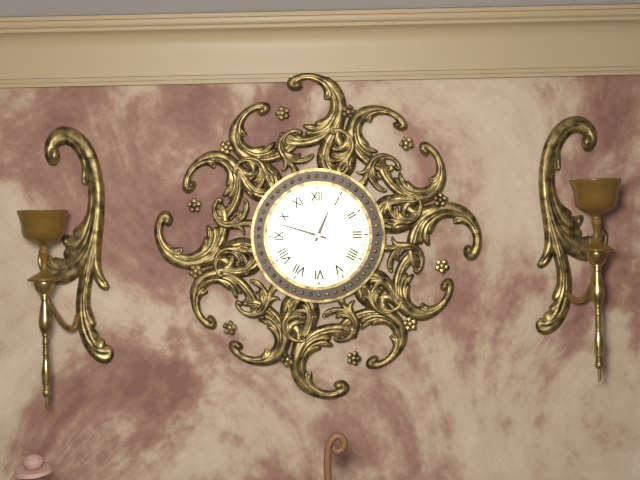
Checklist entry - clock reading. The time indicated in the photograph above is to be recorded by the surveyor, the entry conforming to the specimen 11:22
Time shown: 12:48
